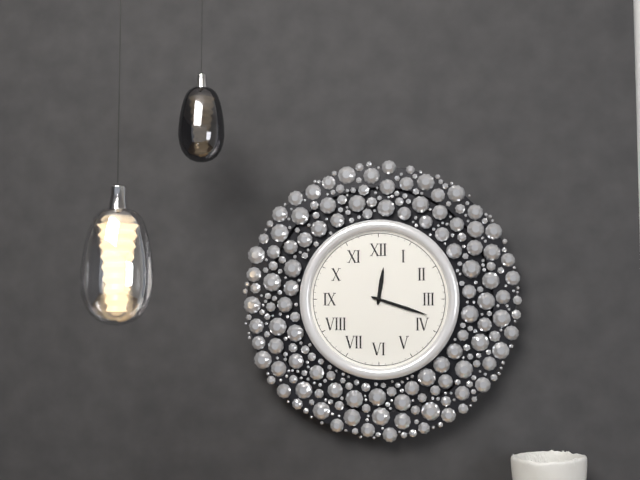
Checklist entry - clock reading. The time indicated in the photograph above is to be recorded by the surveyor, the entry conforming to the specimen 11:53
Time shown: 12:18
